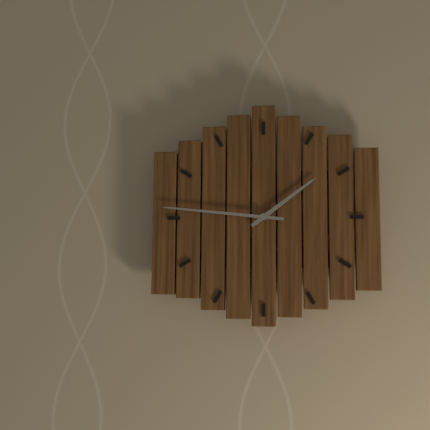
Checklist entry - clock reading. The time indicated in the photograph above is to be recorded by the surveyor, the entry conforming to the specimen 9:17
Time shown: 1:46
